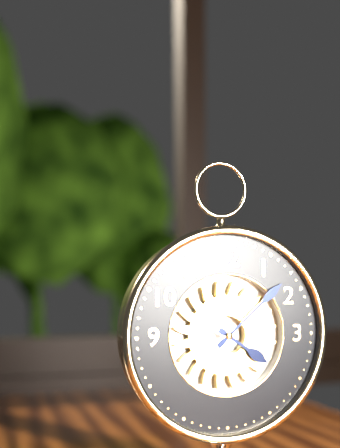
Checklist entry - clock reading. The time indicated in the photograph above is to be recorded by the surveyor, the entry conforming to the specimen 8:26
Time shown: 4:08
